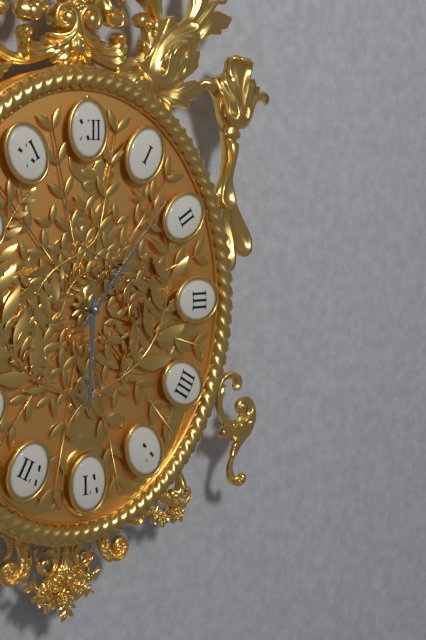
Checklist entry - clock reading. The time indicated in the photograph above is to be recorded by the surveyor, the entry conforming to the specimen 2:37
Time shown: 6:07
